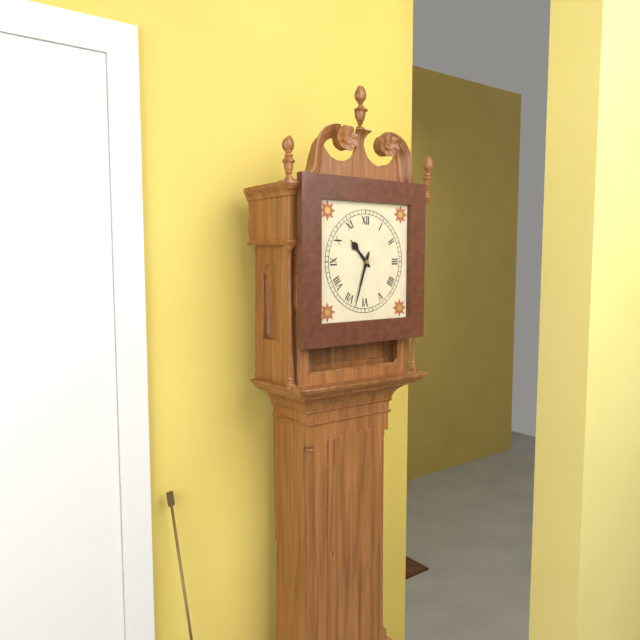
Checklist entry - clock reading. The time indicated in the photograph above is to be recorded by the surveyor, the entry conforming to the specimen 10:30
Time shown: 10:33
